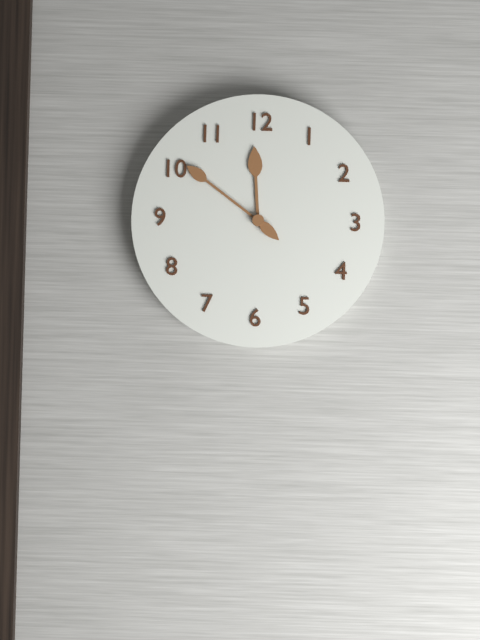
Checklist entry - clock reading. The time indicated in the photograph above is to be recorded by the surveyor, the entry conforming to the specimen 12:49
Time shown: 11:51
